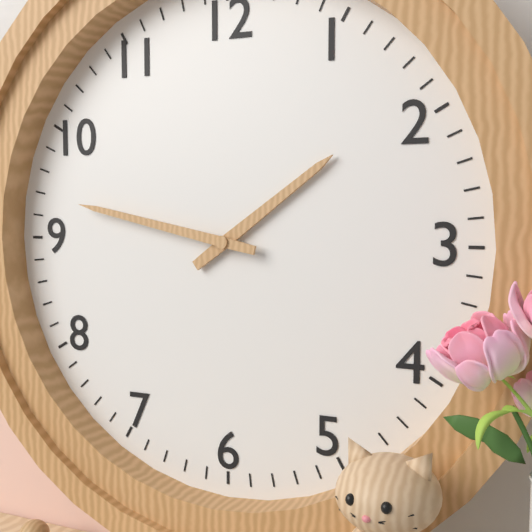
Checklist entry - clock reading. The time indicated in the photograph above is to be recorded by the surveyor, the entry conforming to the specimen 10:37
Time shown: 1:47
